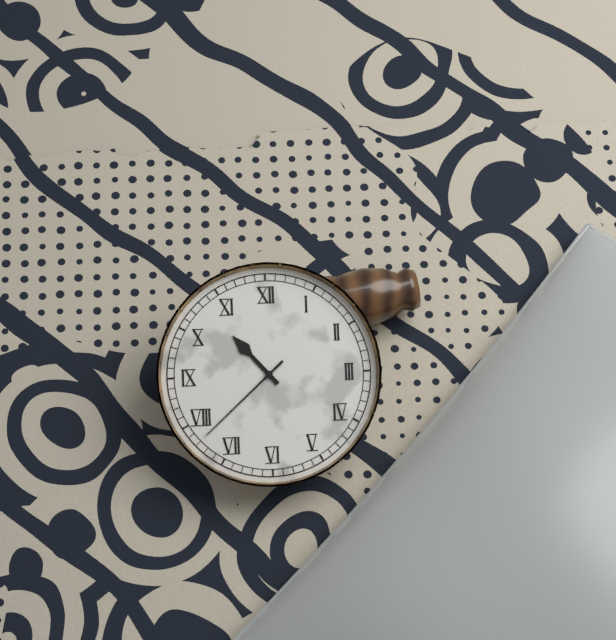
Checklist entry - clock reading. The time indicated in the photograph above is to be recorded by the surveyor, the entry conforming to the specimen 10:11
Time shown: 10:38
